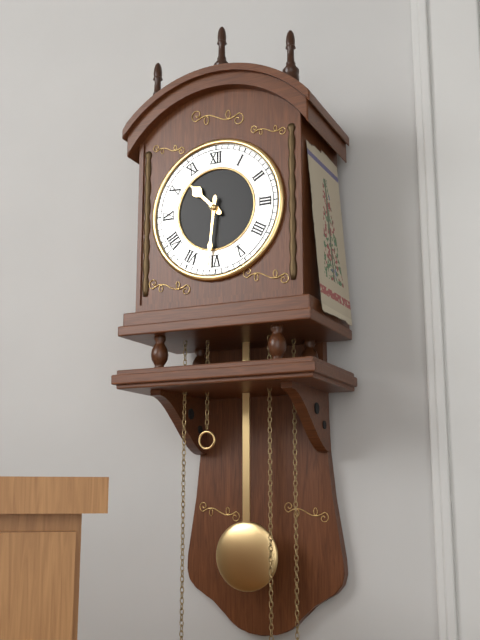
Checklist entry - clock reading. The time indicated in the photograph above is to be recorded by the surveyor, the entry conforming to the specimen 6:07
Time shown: 10:31
